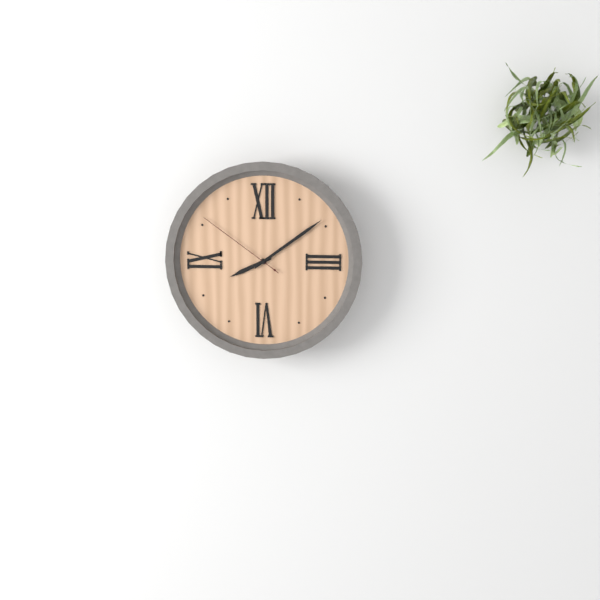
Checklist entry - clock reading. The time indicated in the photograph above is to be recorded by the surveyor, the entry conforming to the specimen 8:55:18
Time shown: 8:09:51
